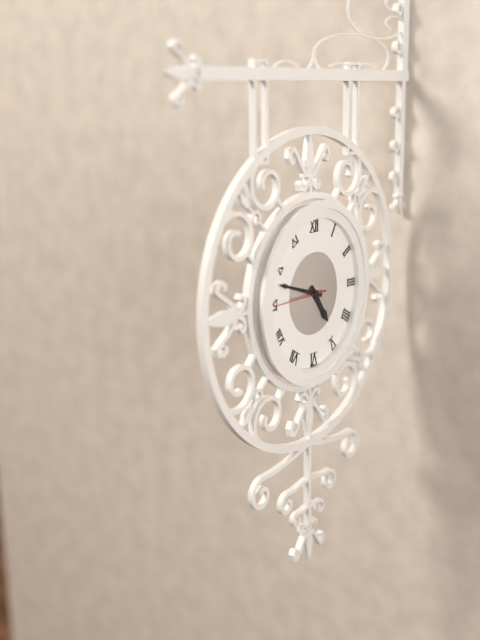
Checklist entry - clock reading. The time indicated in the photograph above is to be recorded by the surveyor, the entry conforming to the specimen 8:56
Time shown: 4:48
